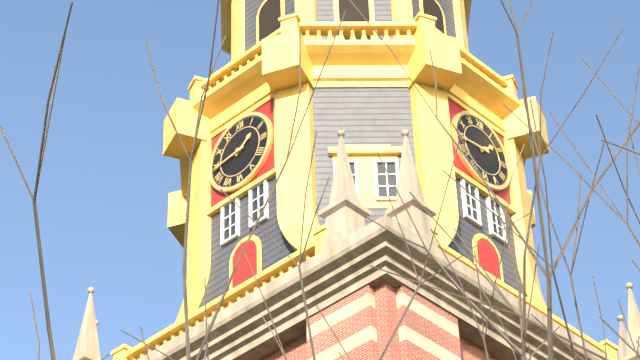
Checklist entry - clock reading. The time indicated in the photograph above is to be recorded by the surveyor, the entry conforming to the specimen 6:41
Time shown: 1:44
